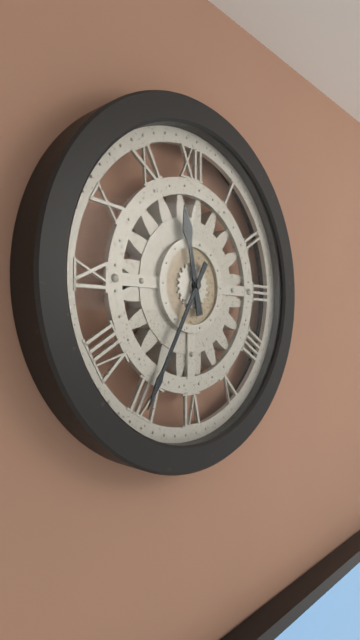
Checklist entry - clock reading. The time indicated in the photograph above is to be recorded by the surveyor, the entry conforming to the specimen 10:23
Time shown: 11:35
